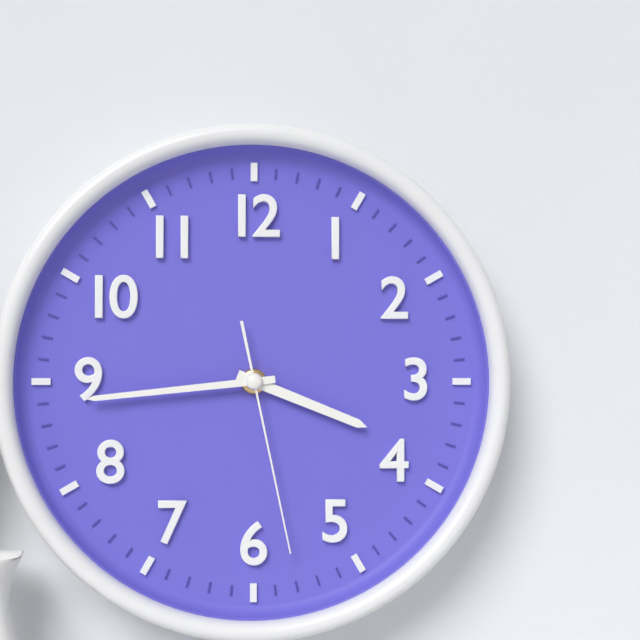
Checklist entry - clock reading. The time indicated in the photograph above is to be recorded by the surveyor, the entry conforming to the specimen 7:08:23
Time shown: 3:44:28
